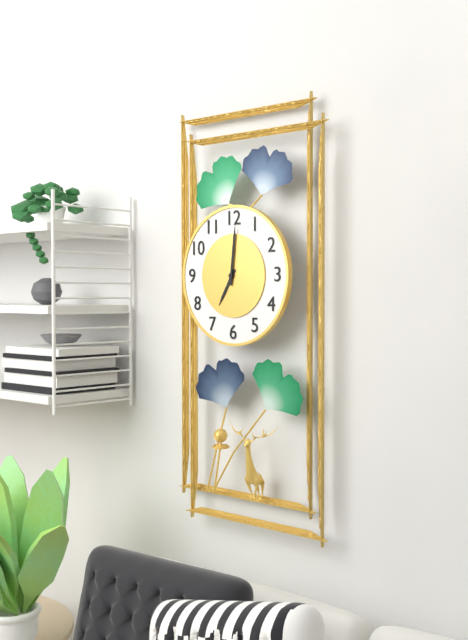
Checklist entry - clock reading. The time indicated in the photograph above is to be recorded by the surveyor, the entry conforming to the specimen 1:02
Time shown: 7:01
